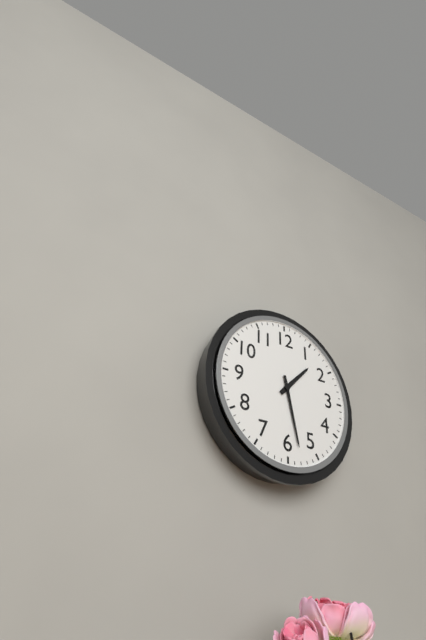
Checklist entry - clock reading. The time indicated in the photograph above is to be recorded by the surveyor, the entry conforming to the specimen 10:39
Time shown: 1:28
